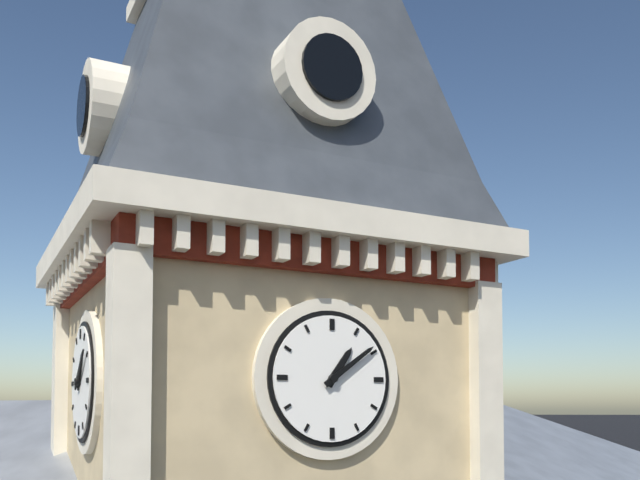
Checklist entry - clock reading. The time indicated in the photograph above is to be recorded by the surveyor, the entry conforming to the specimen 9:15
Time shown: 1:09
